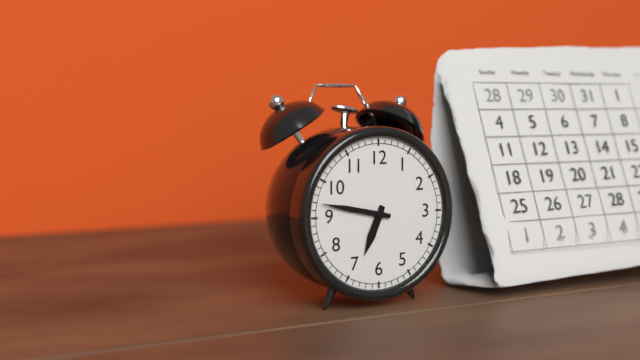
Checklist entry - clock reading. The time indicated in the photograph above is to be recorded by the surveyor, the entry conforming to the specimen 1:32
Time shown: 6:47
